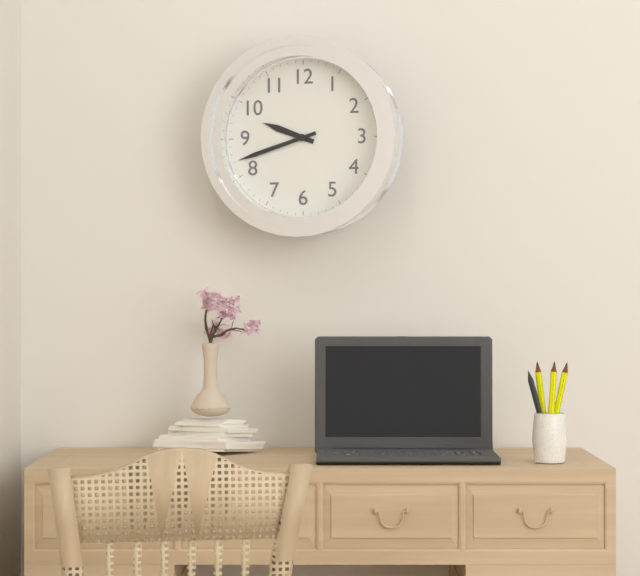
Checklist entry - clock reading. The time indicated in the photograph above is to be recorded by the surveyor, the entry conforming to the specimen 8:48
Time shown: 9:42
